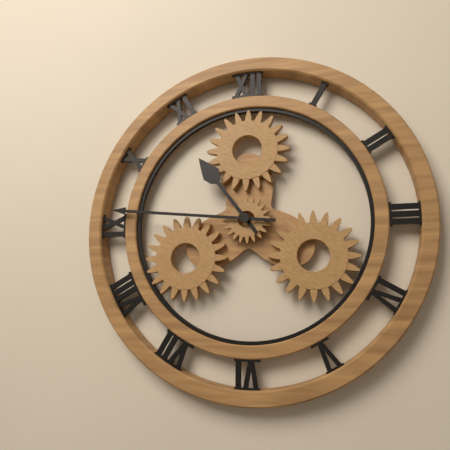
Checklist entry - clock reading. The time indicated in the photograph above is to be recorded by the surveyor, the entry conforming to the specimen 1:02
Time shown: 10:46
